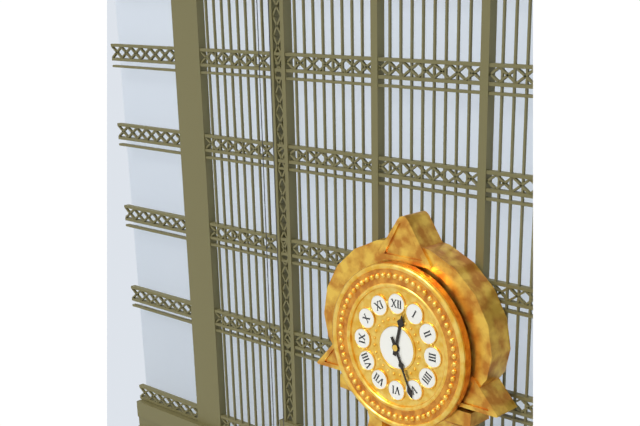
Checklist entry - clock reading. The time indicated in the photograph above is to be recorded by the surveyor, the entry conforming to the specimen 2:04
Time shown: 12:26
